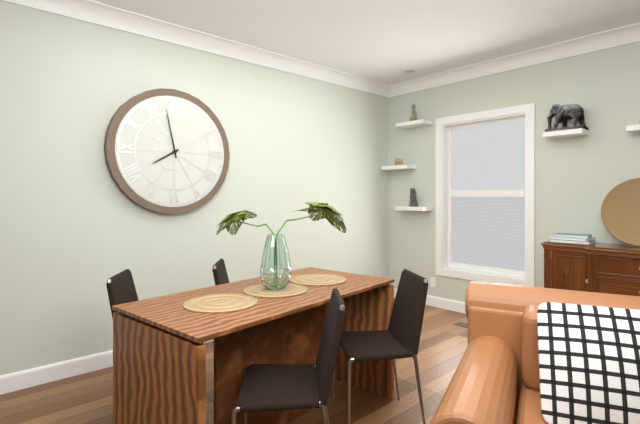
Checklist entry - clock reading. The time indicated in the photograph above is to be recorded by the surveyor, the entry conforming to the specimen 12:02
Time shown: 7:58
